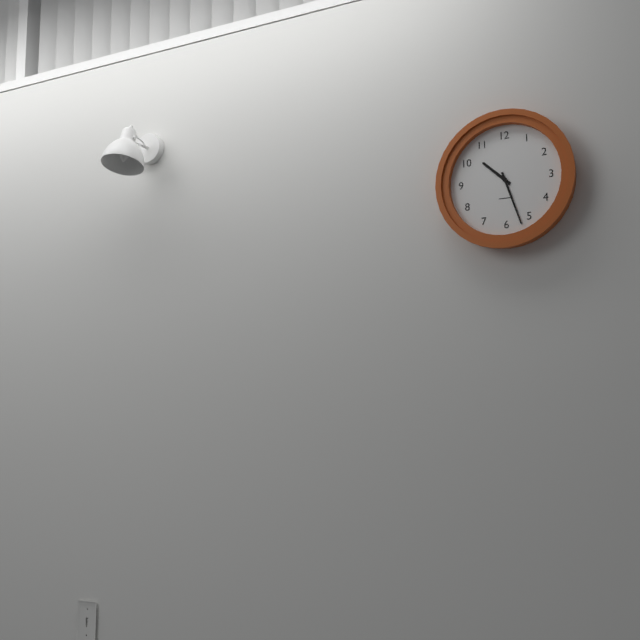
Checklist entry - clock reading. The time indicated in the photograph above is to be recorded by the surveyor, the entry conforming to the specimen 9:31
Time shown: 10:27
